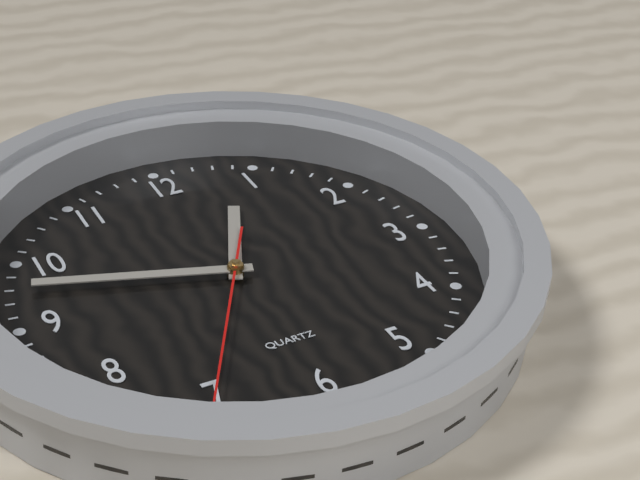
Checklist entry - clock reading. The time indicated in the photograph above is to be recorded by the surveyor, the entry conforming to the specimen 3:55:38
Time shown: 12:48:35
